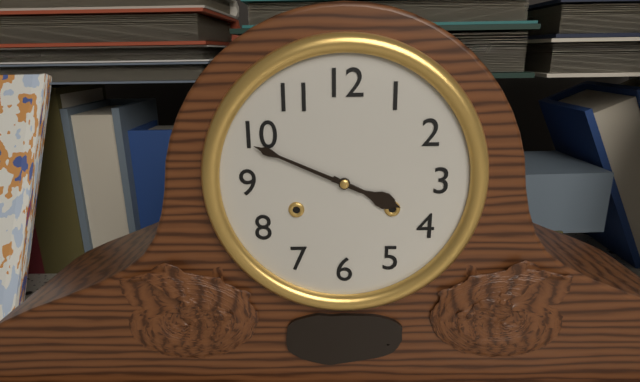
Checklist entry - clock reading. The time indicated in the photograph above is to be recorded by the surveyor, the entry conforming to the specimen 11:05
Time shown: 3:49
